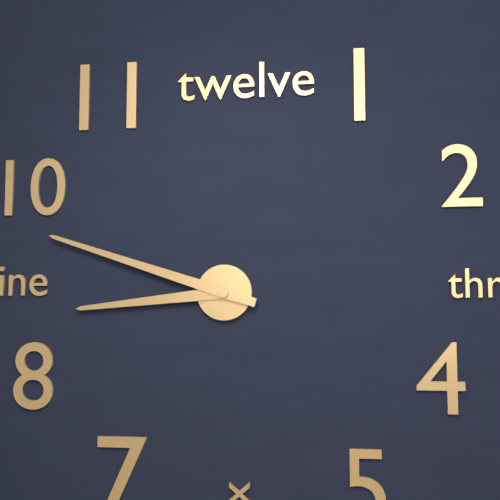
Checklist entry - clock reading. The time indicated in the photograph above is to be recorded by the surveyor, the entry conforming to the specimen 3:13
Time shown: 8:48
